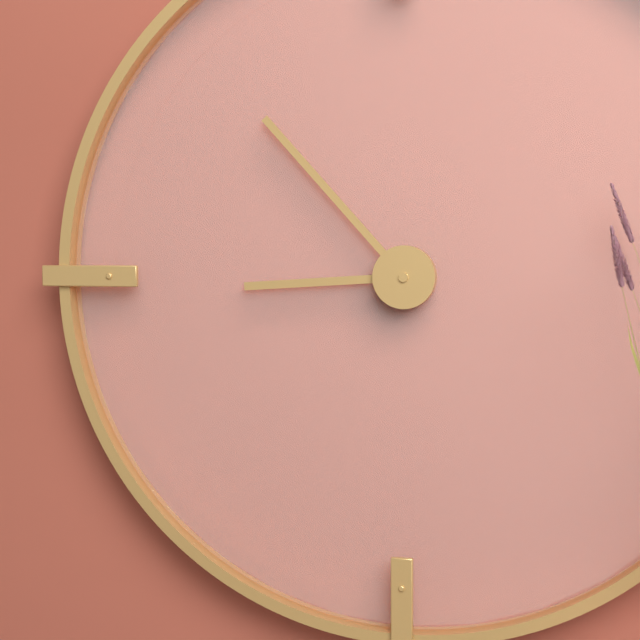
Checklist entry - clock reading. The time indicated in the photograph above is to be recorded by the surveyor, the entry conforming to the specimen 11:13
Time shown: 8:53
